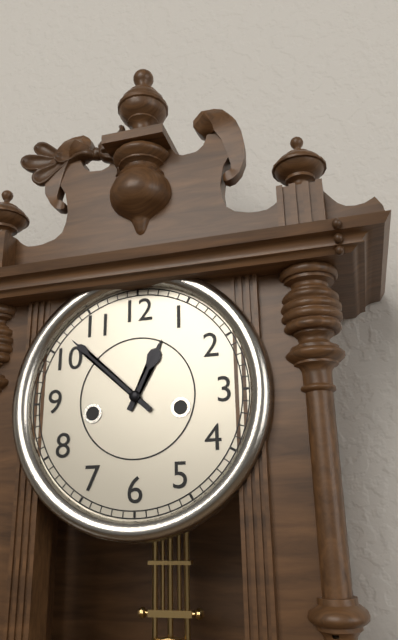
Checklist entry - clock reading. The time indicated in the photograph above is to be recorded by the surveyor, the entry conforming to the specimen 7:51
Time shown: 12:52
